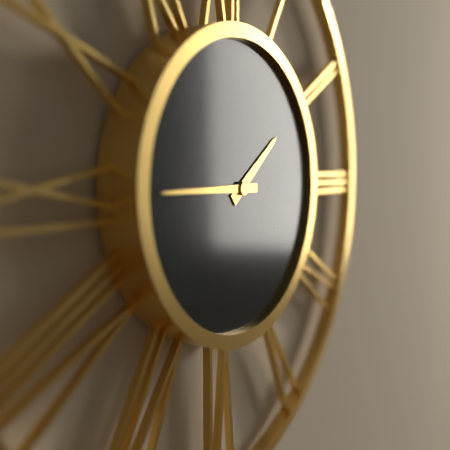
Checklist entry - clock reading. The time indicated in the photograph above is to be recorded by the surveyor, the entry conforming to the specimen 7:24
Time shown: 1:45
